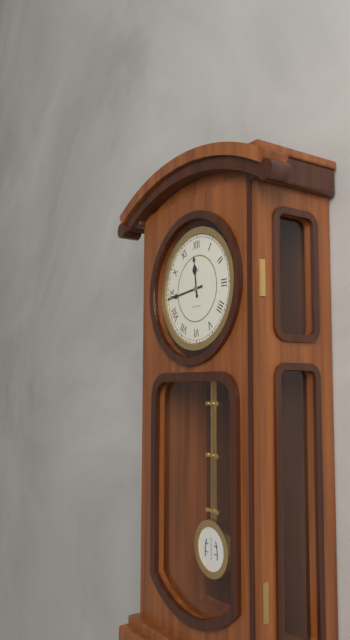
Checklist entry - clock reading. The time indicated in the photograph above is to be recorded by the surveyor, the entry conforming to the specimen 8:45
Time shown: 11:44
